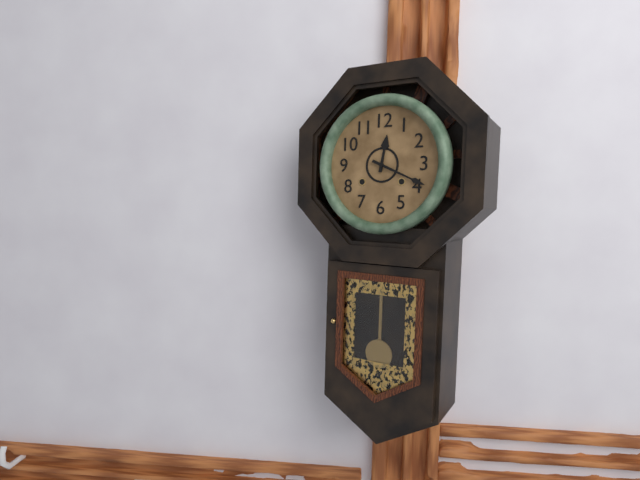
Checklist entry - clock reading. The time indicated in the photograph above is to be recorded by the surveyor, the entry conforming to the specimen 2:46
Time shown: 12:19
